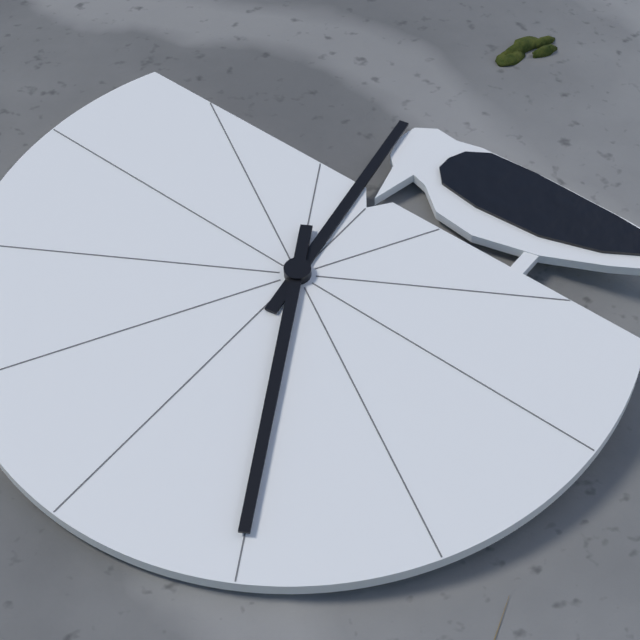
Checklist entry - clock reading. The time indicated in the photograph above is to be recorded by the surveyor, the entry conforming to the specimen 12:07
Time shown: 2:40
